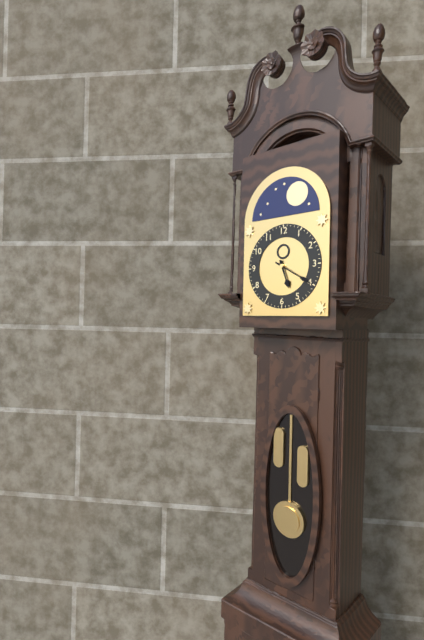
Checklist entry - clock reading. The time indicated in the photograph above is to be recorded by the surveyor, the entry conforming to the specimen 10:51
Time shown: 5:20
